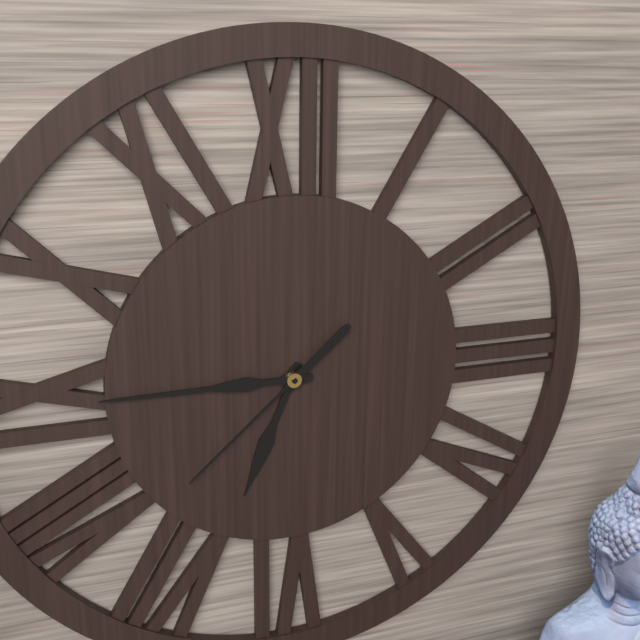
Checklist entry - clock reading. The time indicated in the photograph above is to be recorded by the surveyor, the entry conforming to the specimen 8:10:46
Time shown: 6:45:38
